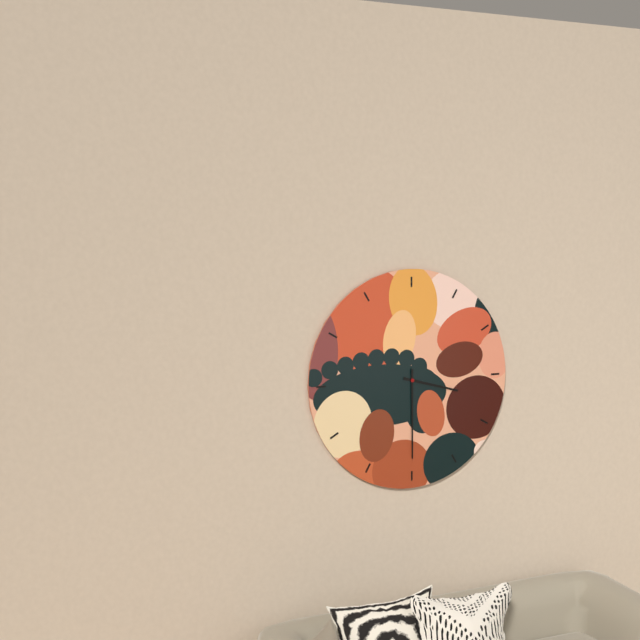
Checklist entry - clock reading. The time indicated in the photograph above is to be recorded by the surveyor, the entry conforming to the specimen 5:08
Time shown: 3:30
